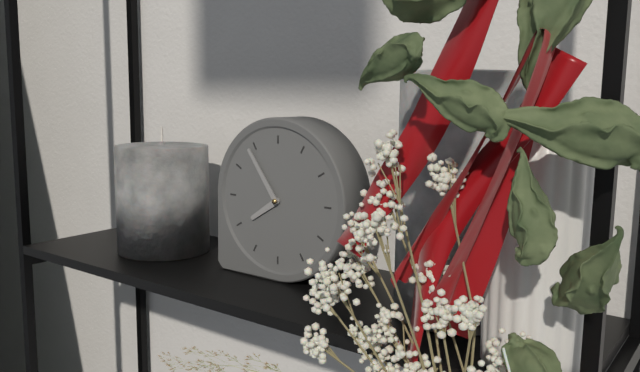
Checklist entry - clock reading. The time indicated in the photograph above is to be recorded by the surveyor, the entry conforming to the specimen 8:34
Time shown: 7:54
